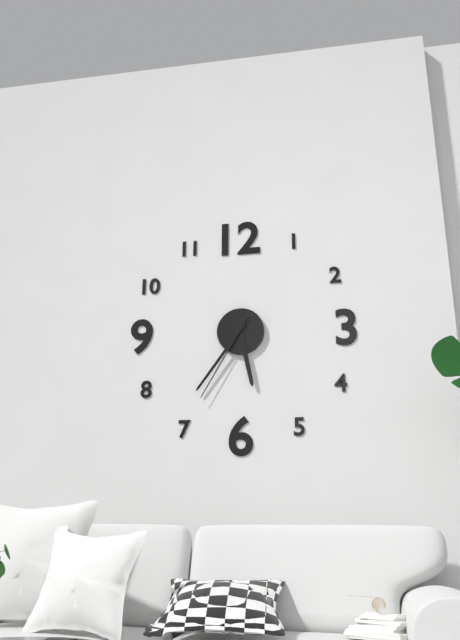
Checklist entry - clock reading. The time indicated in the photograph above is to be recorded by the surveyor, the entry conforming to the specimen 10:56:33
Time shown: 5:36:35
